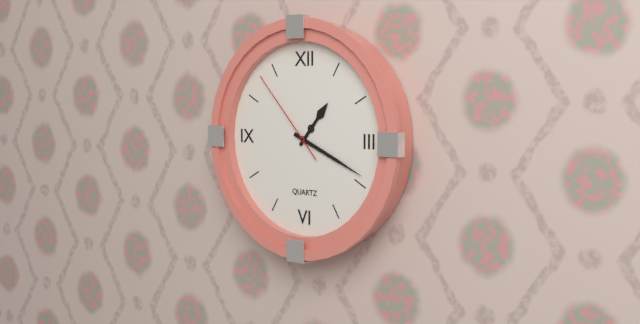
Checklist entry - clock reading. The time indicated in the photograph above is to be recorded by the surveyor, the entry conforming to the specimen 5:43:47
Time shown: 1:19:53
